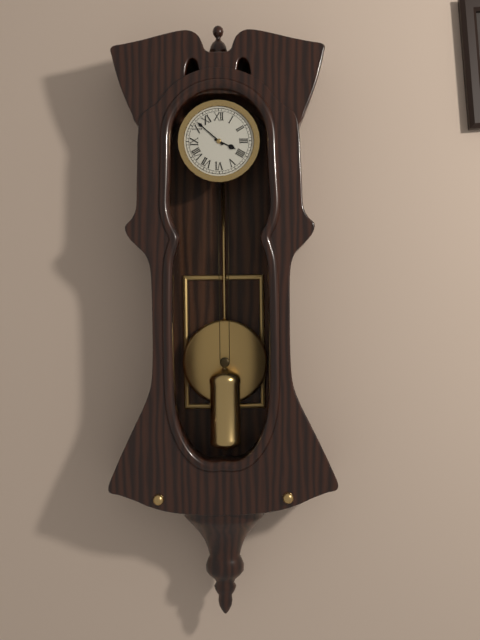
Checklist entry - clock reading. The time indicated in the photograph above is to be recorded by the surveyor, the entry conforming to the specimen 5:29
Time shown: 3:52
